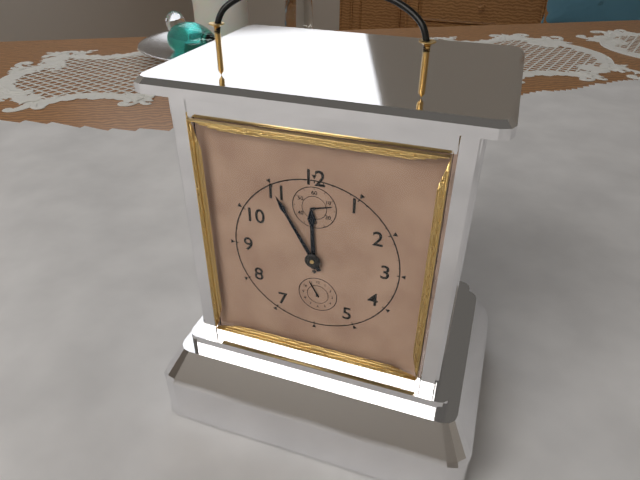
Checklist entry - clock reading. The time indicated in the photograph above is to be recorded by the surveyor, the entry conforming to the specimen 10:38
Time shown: 11:55
